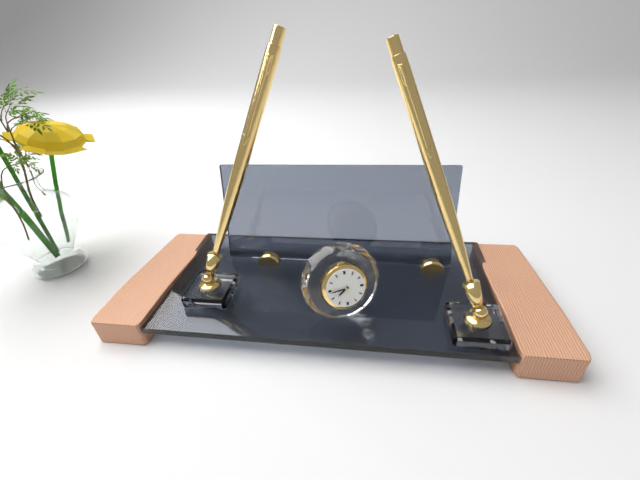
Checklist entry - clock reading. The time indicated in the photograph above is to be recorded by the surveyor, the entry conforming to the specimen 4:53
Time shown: 7:44
